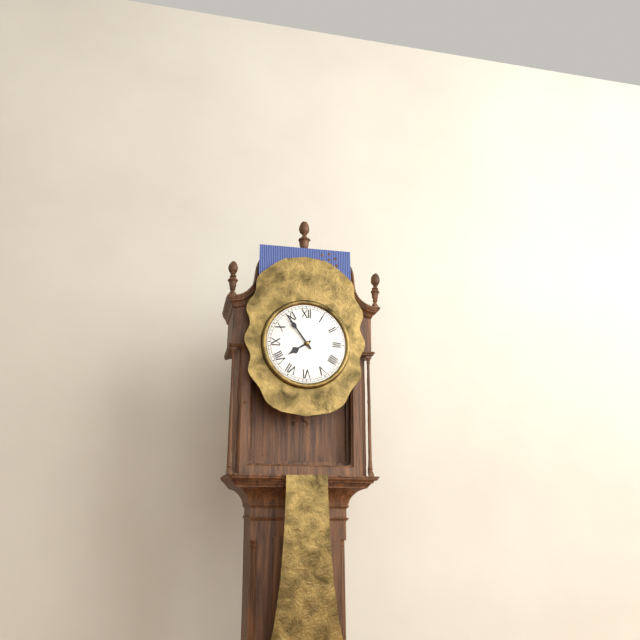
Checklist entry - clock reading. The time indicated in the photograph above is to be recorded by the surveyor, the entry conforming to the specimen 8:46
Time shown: 7:54
